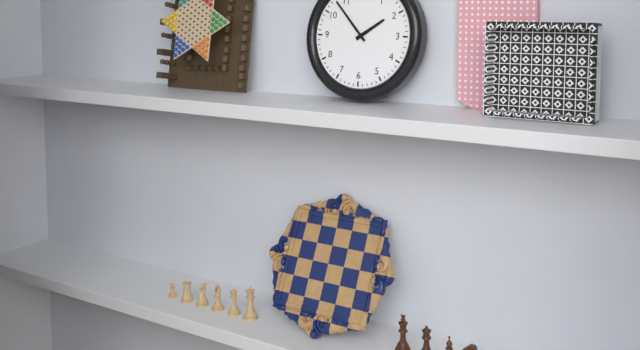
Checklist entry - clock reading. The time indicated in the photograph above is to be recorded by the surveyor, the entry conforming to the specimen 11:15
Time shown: 1:53
